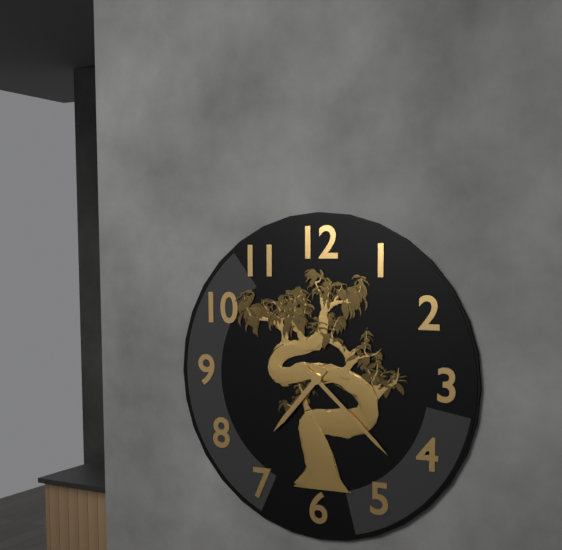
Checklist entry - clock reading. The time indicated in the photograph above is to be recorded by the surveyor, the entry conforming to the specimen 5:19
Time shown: 7:22
